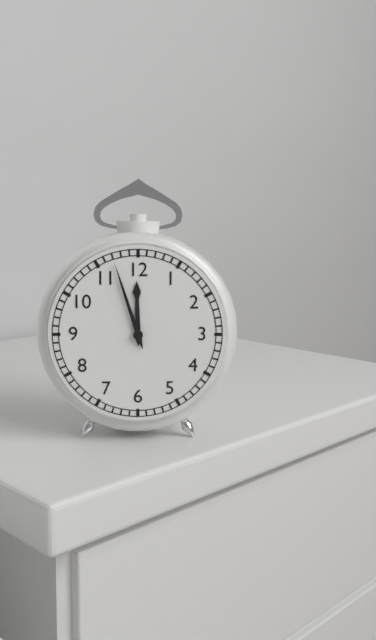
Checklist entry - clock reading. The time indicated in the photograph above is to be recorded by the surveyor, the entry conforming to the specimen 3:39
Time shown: 11:57
